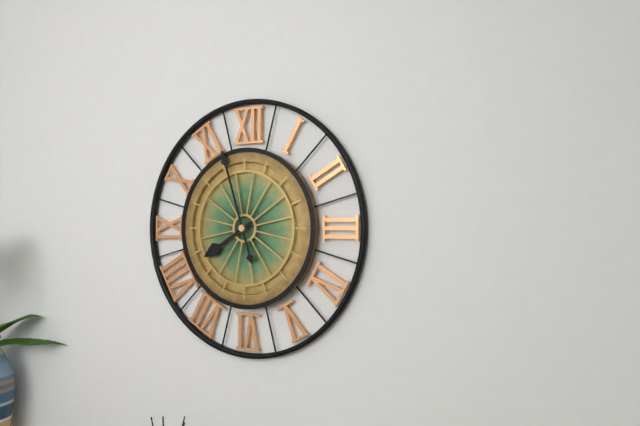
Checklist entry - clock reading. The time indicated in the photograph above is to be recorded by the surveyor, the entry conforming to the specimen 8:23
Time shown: 7:57
